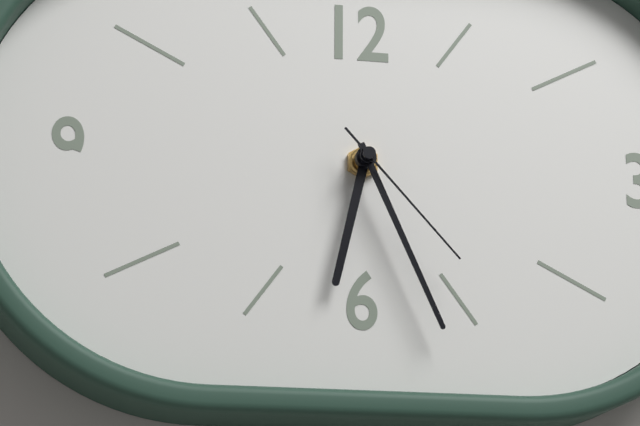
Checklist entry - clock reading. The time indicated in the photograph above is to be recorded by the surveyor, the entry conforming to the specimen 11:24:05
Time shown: 6:26:23
